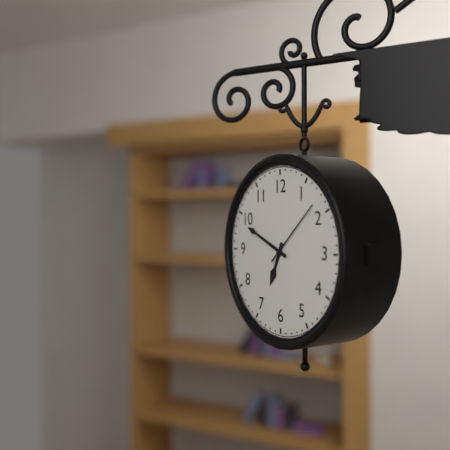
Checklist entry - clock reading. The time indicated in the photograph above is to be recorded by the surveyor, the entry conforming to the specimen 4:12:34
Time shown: 6:49:08
